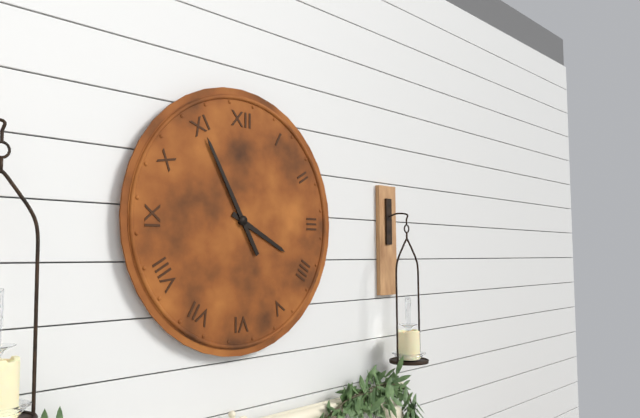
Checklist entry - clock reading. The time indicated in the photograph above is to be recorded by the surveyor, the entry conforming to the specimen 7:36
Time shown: 3:55
